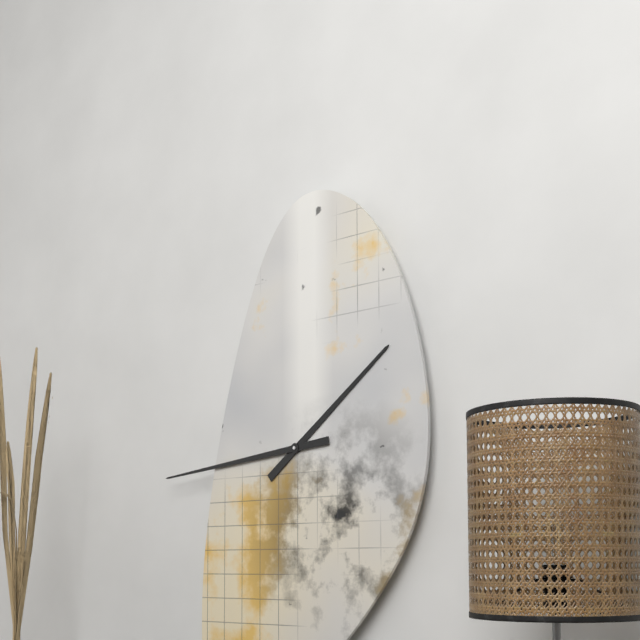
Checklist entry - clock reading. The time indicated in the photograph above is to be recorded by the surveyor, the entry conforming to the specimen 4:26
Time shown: 1:44
